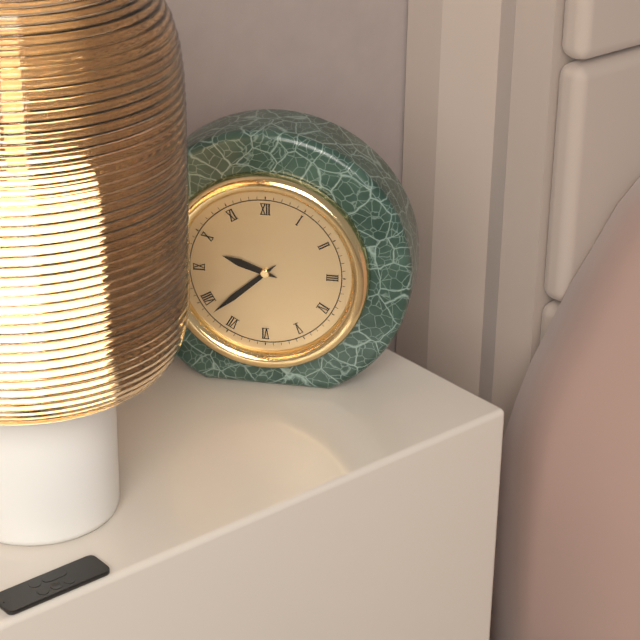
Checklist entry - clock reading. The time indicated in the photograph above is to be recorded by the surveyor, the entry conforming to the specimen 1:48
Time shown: 9:38
